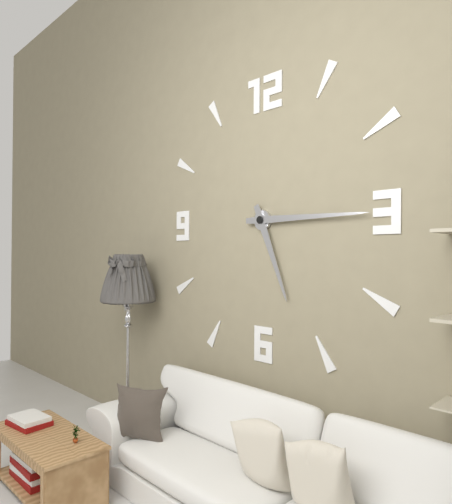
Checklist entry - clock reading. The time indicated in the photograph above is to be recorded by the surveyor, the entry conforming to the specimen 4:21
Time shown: 5:15
